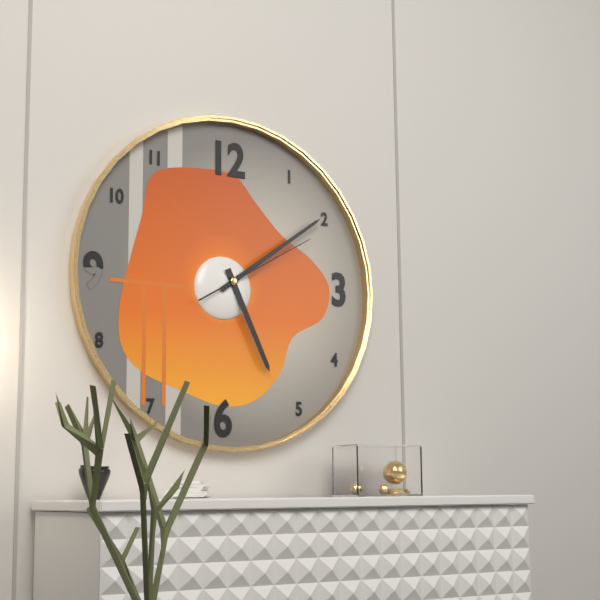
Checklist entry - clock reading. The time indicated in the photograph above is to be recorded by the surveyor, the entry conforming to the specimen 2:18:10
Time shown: 5:09:10
